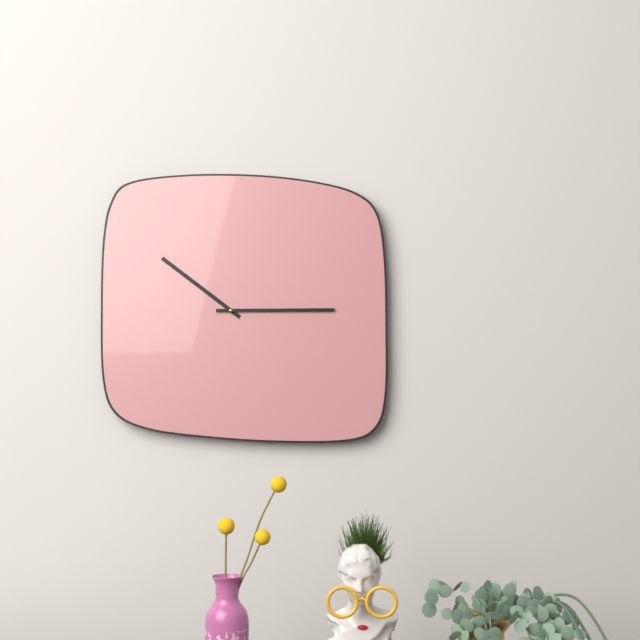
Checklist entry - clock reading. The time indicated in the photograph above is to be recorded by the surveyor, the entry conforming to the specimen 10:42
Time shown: 10:15
